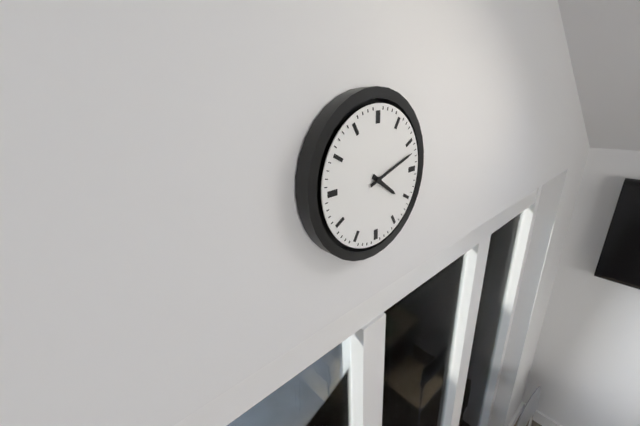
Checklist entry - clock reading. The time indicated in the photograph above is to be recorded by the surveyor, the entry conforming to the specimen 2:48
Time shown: 4:12
